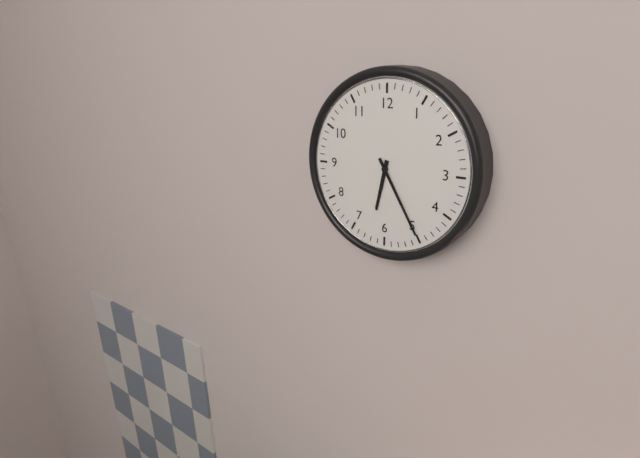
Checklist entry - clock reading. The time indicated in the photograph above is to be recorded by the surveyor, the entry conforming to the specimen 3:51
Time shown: 6:25
